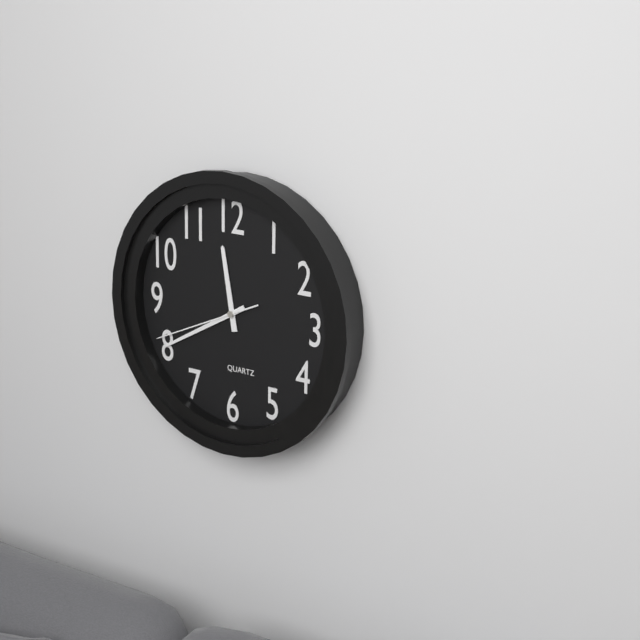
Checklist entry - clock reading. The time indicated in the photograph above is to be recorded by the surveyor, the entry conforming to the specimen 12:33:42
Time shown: 11:40:41
